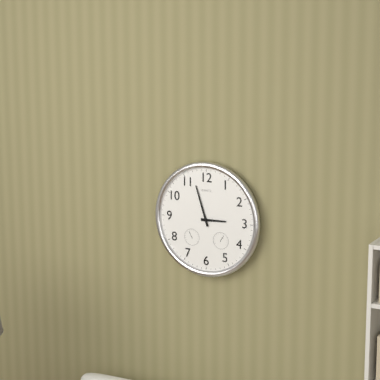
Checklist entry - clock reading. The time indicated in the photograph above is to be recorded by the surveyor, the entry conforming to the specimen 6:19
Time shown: 2:57
